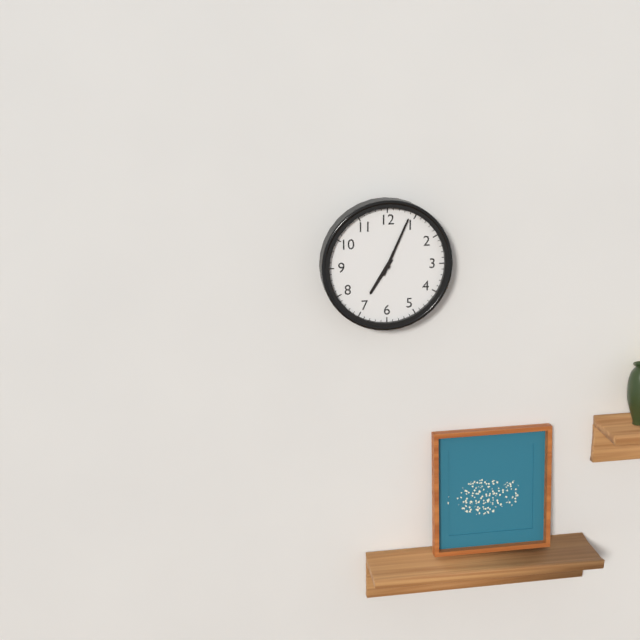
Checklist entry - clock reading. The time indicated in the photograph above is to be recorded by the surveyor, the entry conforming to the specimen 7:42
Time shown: 7:04
